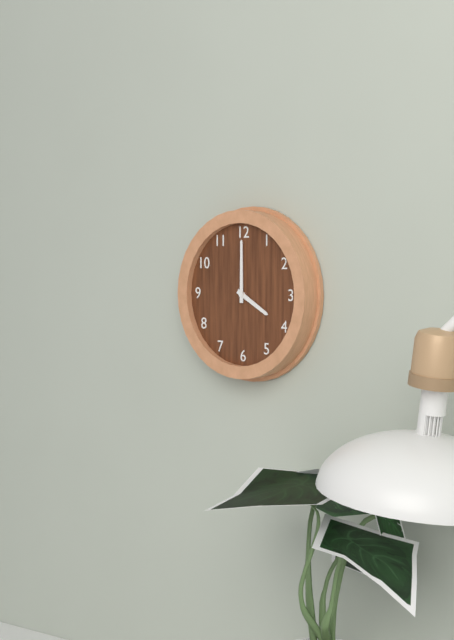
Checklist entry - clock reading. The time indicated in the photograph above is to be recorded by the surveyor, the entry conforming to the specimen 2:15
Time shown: 4:00
